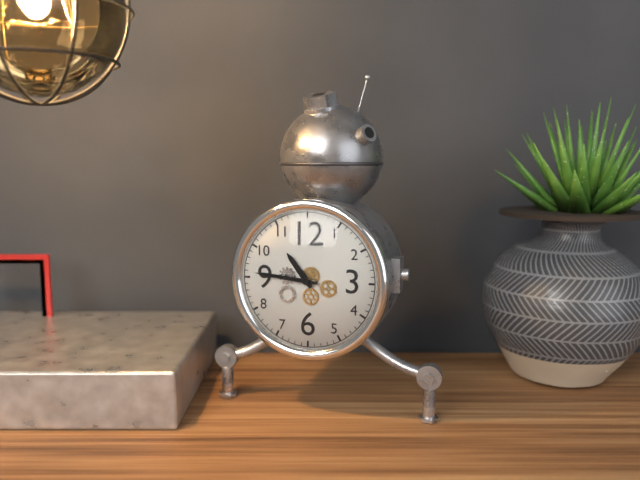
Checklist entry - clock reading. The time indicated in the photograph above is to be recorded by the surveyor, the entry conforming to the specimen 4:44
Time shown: 10:46
